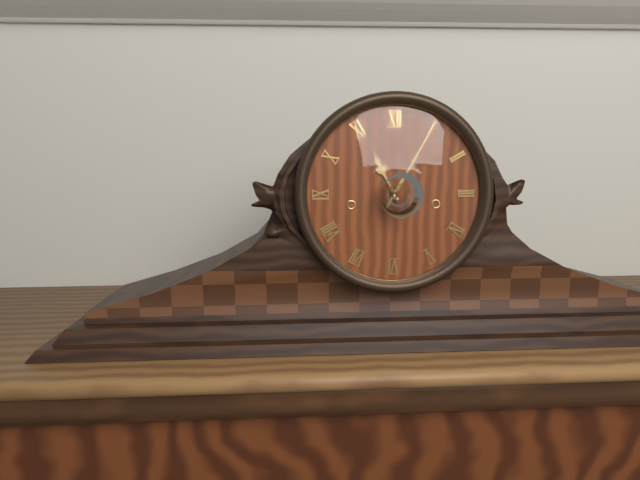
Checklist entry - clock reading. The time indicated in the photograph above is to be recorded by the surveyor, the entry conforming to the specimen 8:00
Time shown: 11:05
